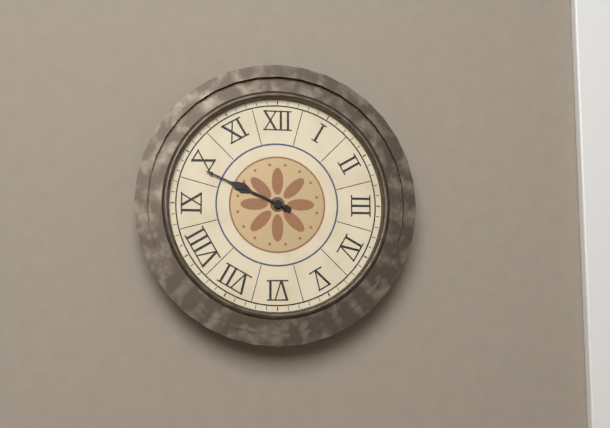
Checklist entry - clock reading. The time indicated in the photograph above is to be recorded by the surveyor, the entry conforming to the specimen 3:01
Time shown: 9:49
